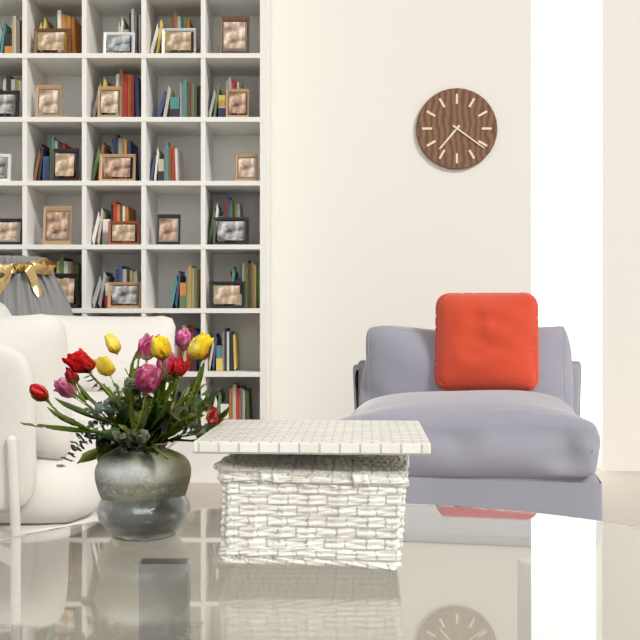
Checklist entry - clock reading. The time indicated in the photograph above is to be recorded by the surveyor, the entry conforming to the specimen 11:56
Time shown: 7:21
